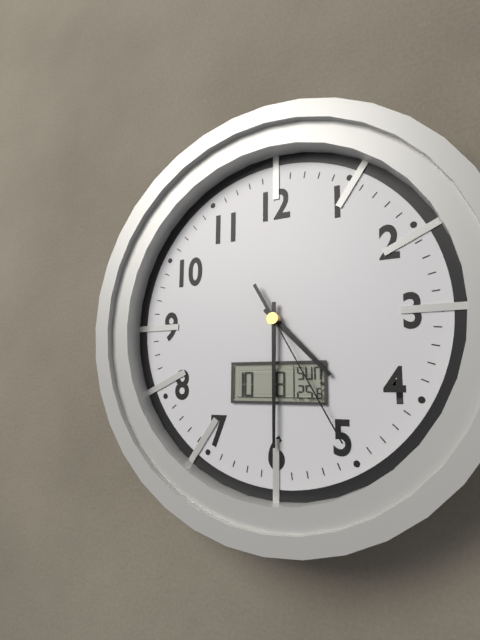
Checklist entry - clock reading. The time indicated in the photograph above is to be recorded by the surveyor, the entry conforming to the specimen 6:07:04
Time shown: 4:30:25
